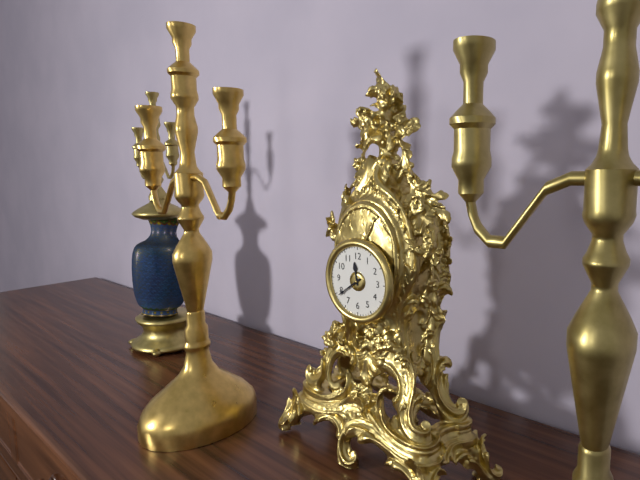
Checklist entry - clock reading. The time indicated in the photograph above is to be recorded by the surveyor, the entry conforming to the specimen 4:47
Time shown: 11:39
